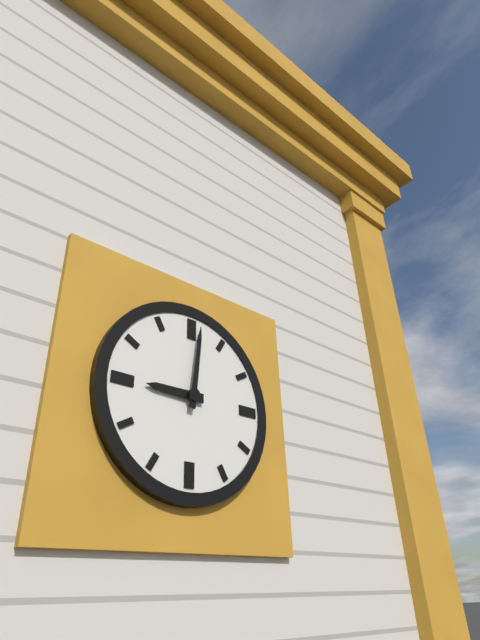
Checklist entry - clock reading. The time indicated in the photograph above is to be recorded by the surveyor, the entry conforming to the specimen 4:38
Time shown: 9:01
